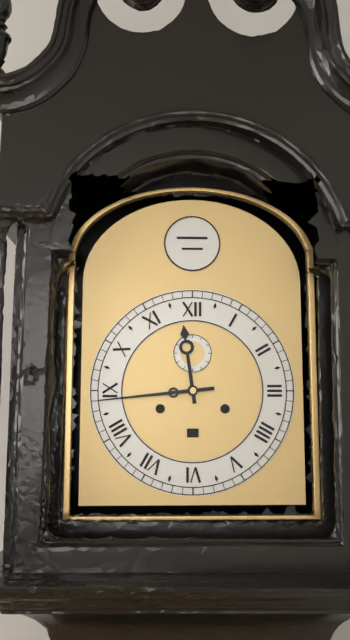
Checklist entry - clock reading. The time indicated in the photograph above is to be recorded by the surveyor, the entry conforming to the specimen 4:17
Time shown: 11:44
